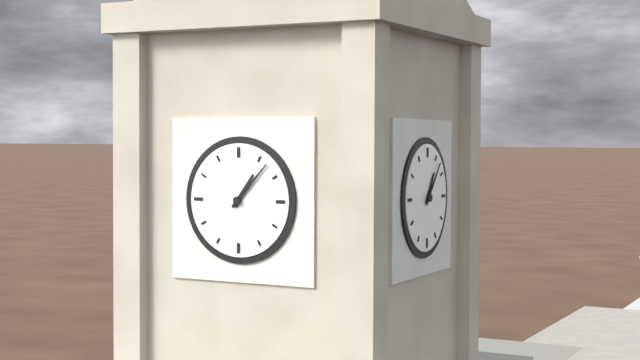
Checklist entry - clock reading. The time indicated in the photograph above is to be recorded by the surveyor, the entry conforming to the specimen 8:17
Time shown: 1:07
